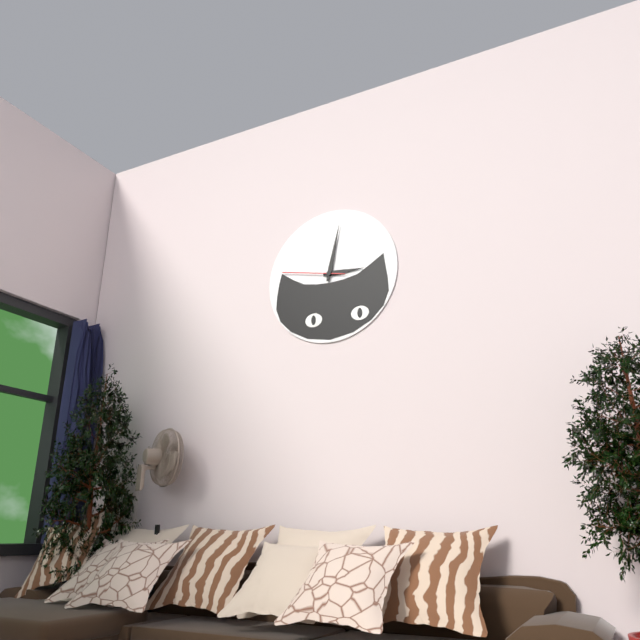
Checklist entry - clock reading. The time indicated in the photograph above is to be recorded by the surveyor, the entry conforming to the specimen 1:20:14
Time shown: 3:02:47
